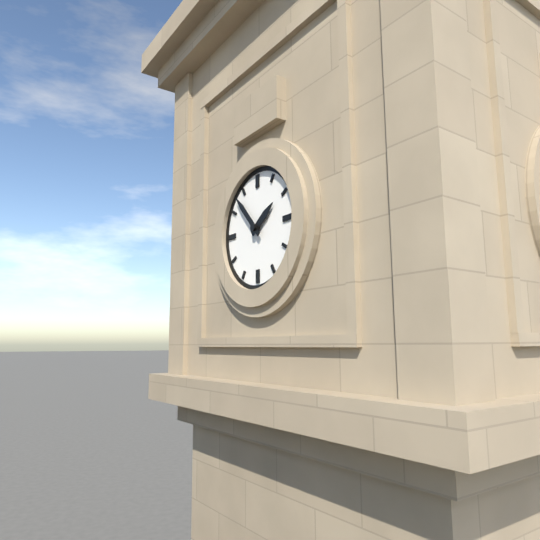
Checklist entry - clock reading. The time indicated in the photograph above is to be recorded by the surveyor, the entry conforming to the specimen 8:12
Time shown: 1:53
